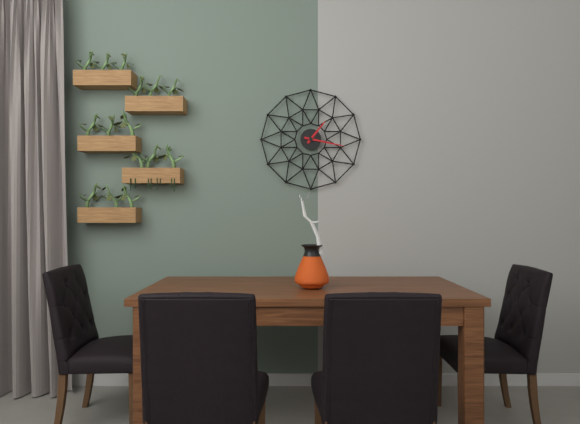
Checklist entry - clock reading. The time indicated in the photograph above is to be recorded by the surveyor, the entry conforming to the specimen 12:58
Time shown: 1:17
